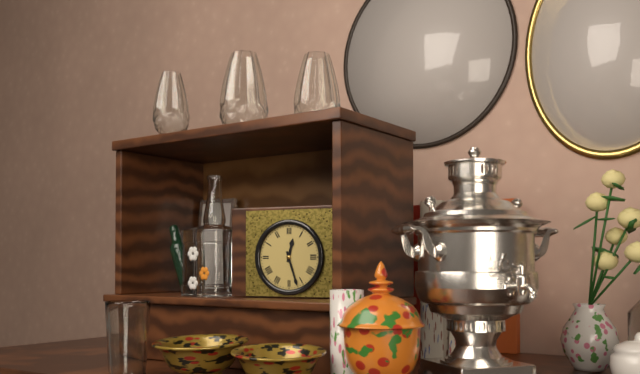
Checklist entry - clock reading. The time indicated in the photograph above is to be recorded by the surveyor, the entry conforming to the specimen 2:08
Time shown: 12:27
